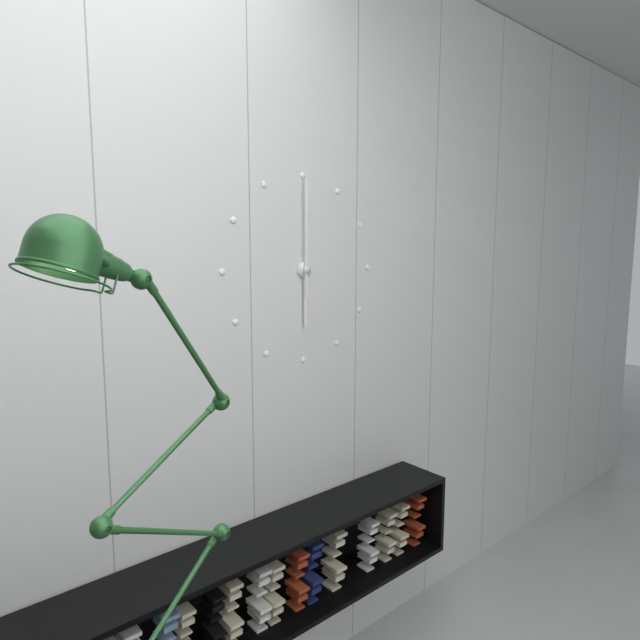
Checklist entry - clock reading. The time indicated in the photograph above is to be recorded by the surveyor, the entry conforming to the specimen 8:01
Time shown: 6:00
